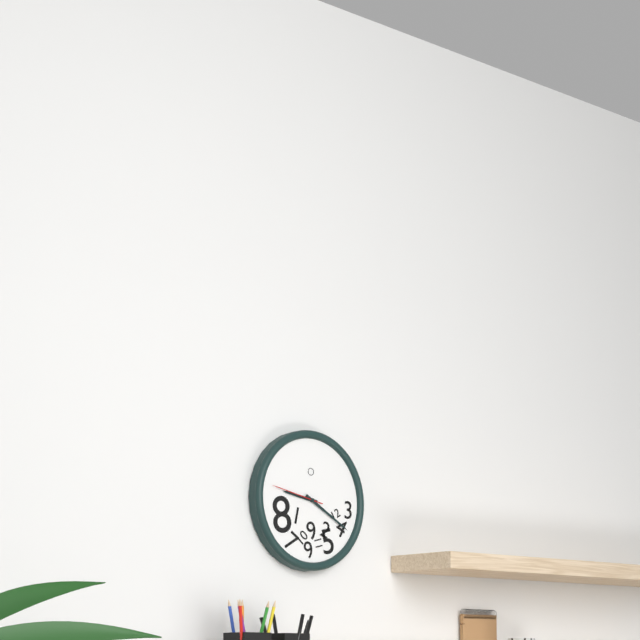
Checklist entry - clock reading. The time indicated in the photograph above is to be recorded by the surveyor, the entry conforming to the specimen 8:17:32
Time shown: 9:20:47
